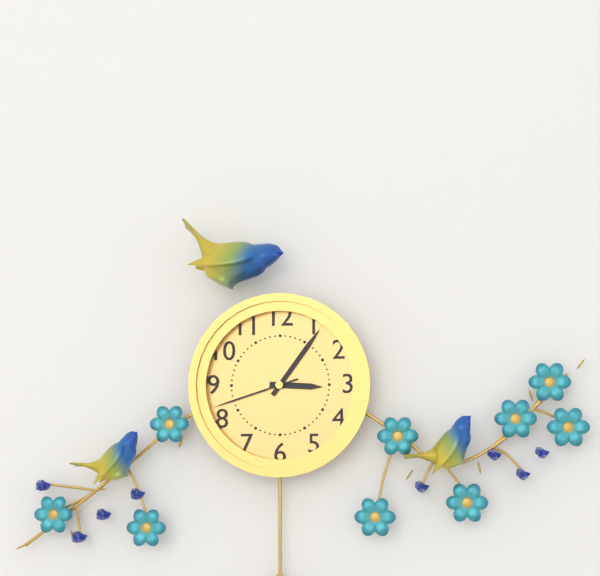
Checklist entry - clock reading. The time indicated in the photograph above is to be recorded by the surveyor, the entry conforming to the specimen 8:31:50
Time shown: 3:06:42
